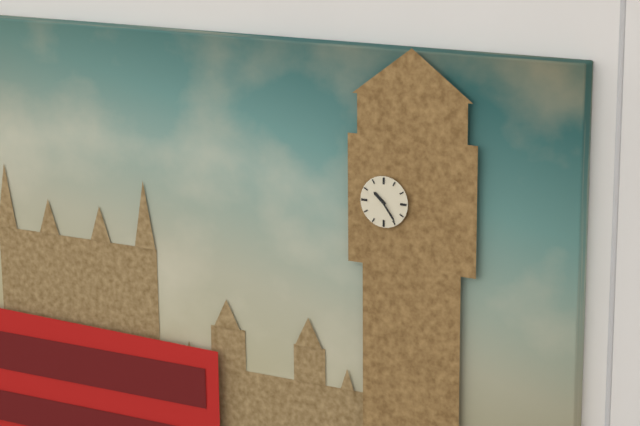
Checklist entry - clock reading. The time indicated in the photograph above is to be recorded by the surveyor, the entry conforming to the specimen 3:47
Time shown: 10:24
